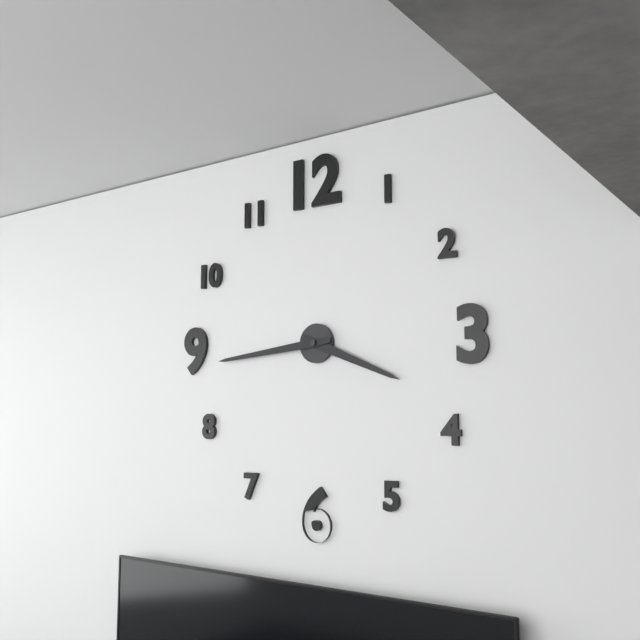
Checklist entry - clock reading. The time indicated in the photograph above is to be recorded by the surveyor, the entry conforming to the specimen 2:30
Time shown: 3:44
